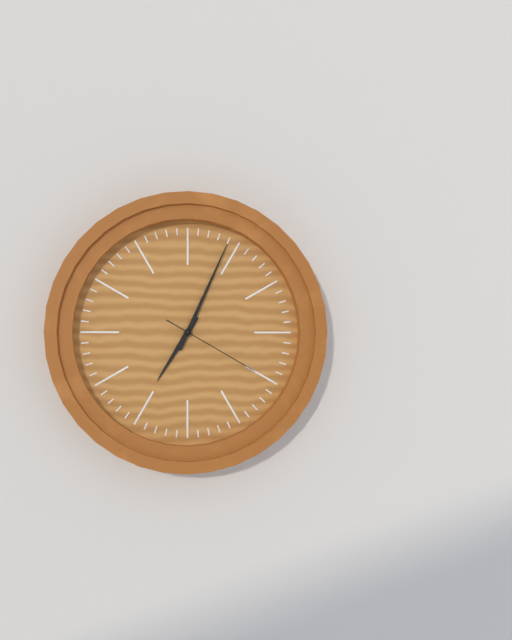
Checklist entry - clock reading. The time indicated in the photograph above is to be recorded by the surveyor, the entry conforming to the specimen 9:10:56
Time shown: 7:04:20
